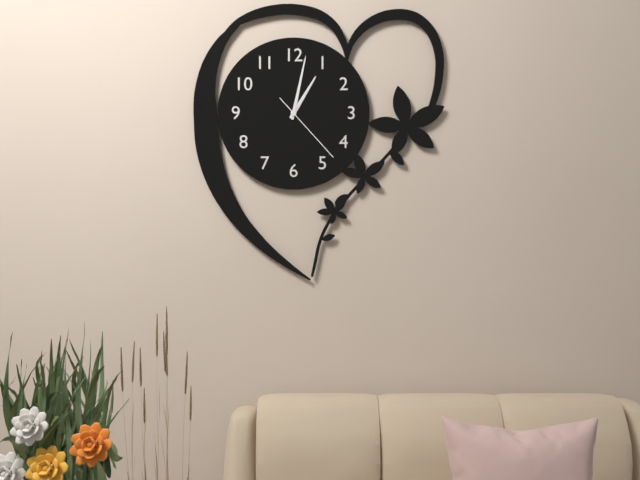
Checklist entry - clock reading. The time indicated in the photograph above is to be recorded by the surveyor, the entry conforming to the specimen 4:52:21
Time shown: 1:02:23
